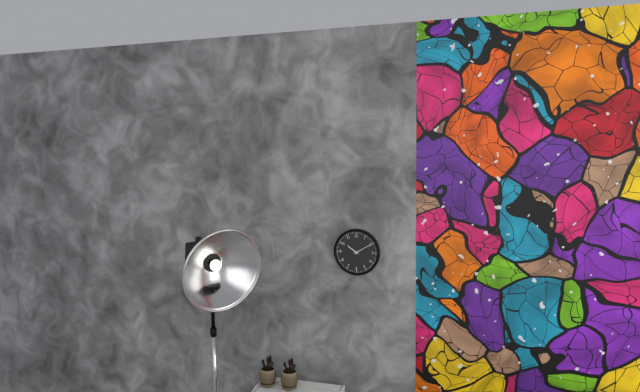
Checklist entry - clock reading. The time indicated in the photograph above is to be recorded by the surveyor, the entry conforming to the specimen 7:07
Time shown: 10:10
